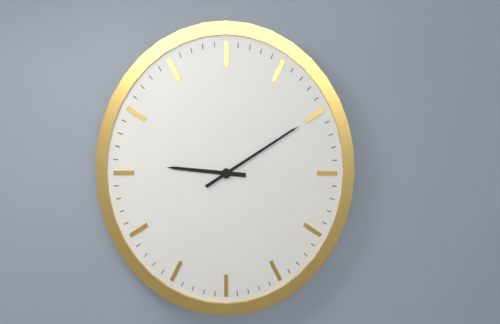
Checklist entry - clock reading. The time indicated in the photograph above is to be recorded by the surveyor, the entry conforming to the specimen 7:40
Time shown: 9:10
